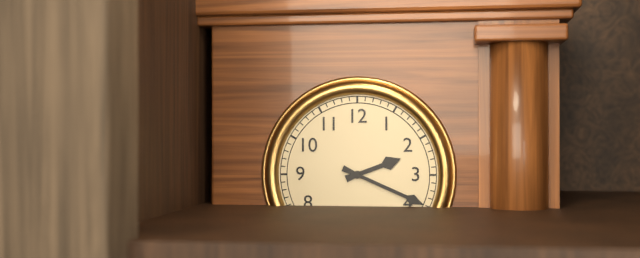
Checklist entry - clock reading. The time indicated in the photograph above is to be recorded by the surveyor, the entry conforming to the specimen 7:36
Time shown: 2:19
